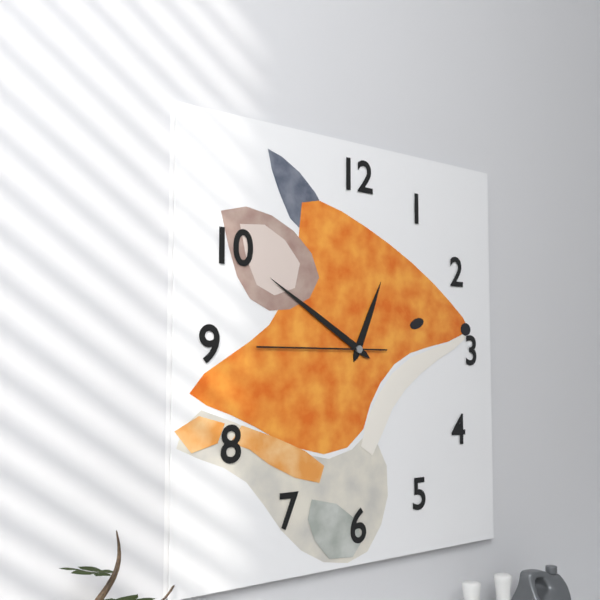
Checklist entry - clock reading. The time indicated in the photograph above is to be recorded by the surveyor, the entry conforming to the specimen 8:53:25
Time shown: 12:50:45
